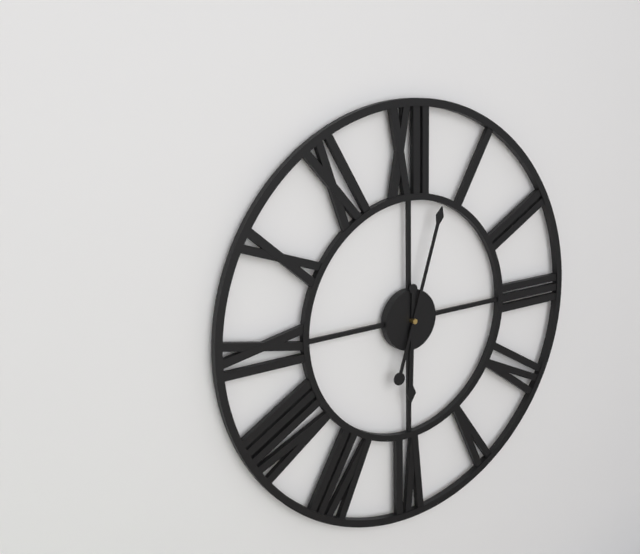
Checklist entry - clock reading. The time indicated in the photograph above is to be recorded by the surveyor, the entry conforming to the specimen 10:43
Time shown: 6:03
